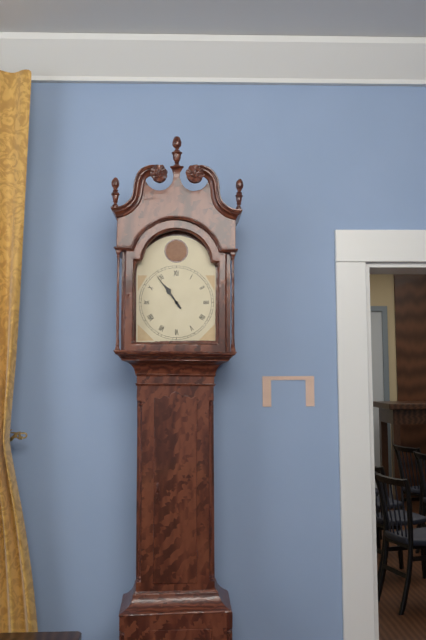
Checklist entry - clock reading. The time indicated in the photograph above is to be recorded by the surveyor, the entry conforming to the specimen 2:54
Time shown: 10:54
